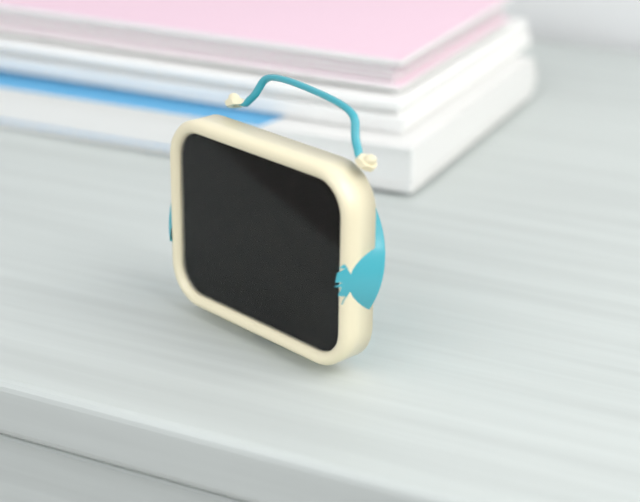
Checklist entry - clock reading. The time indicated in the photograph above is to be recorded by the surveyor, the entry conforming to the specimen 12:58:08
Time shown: 11:56:10
